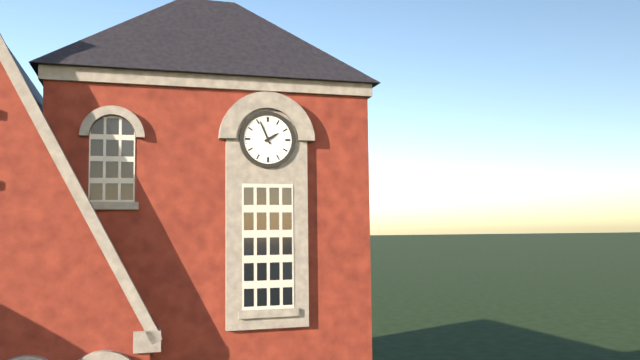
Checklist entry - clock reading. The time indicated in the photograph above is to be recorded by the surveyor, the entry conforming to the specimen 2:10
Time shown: 1:56
